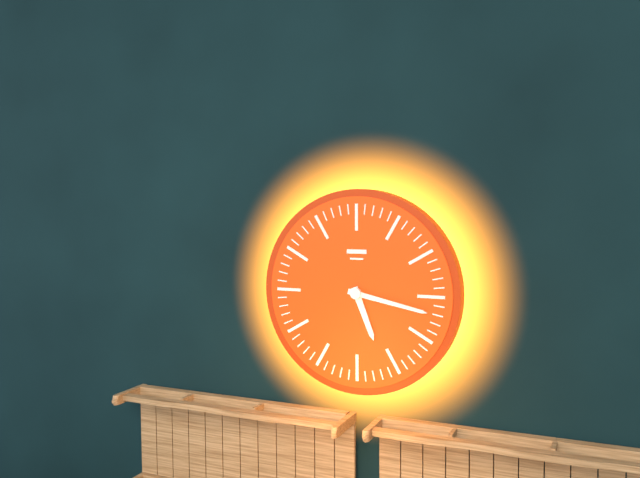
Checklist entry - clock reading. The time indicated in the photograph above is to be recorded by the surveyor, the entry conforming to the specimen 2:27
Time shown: 5:17
